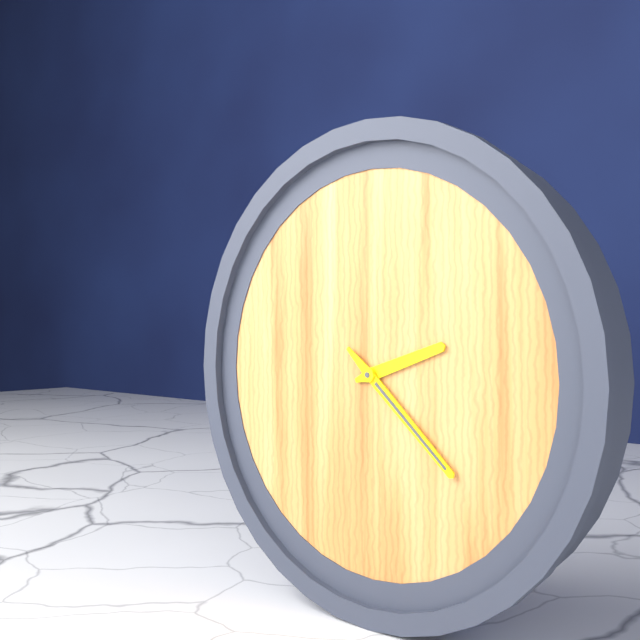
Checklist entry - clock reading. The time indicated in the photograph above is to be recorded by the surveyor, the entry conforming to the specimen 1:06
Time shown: 2:22
